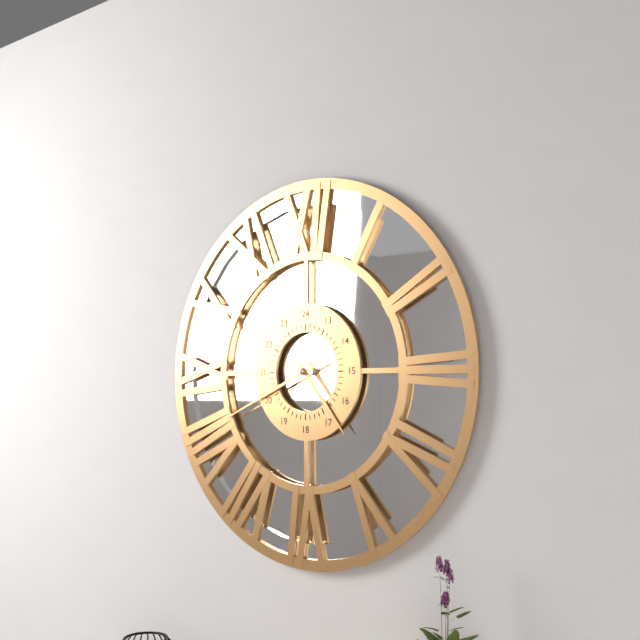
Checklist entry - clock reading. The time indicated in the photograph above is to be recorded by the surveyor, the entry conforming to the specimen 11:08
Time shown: 4:41
